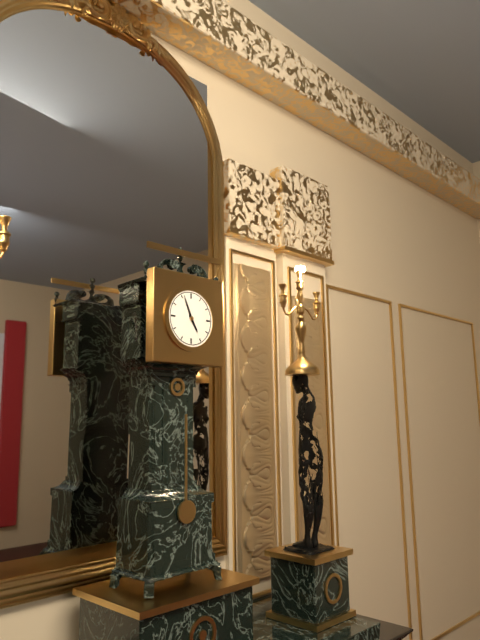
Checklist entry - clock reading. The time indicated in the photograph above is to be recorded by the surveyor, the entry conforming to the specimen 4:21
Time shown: 4:56
